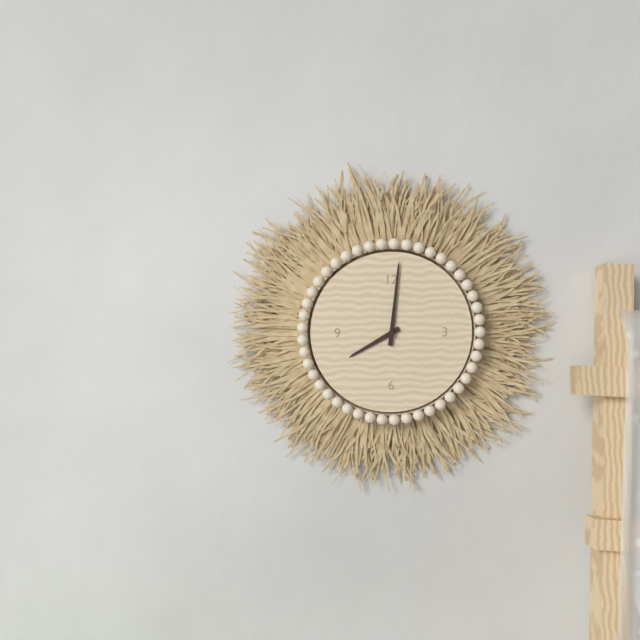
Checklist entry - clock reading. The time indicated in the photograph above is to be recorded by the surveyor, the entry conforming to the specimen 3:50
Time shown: 8:01
